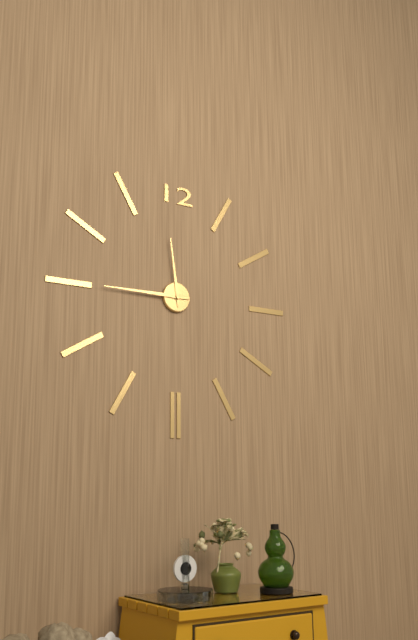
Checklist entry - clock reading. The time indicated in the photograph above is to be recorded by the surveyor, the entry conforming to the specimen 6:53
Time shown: 11:45
